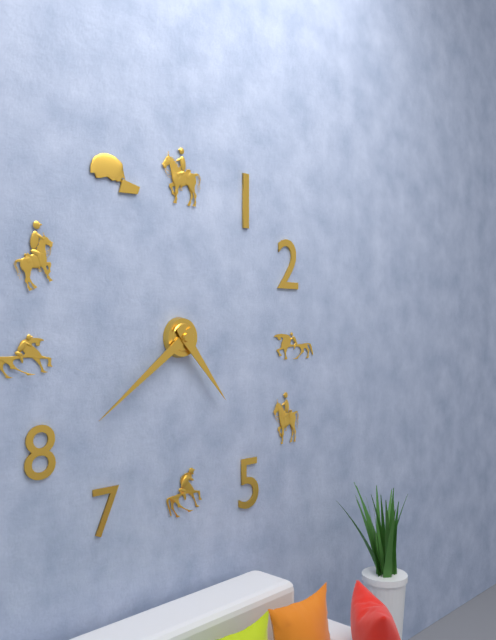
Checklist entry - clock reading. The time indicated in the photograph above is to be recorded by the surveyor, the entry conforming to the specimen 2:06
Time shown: 4:39
